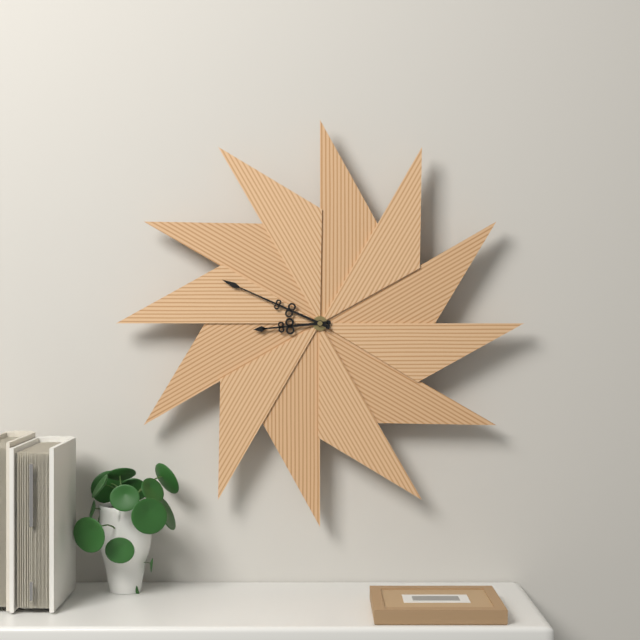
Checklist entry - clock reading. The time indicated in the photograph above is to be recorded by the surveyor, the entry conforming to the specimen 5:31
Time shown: 8:49
